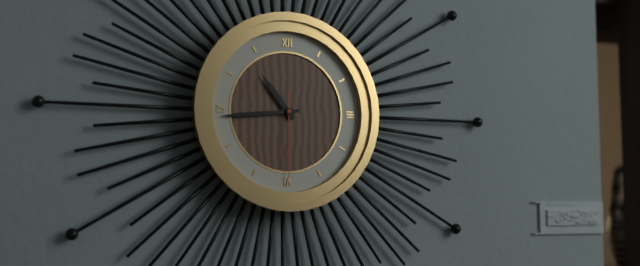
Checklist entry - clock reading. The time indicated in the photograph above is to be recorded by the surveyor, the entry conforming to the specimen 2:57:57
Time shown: 10:44:30
